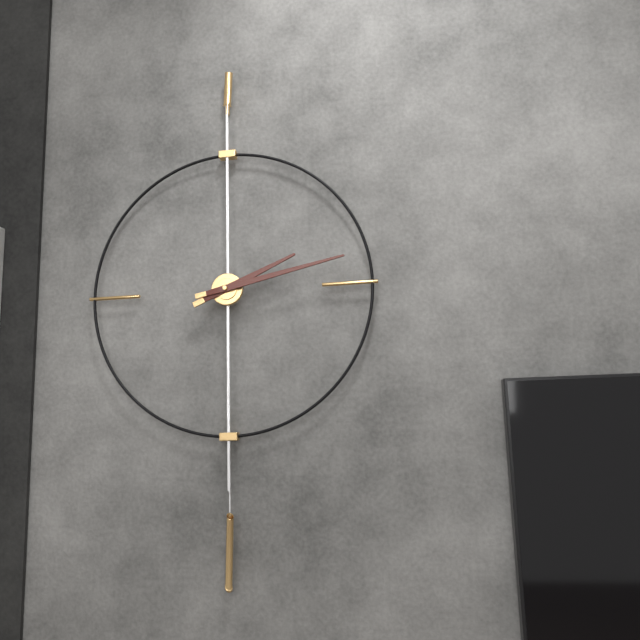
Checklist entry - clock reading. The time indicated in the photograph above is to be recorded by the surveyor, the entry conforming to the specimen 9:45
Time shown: 2:13
